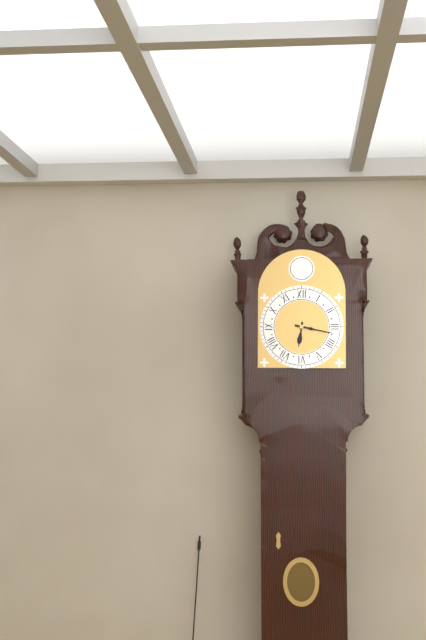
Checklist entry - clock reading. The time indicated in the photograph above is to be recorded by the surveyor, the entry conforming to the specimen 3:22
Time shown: 6:17
